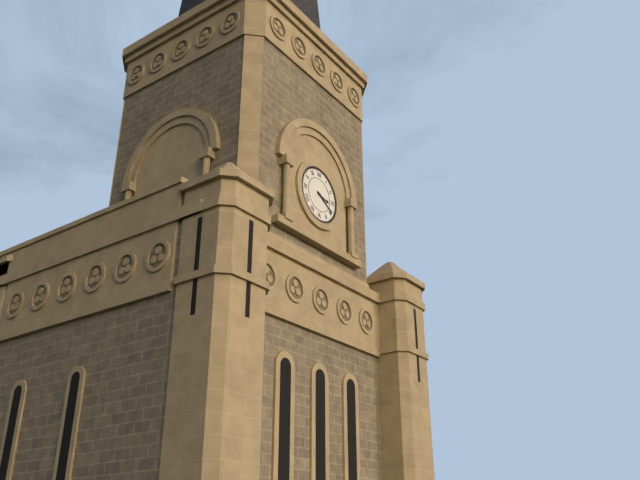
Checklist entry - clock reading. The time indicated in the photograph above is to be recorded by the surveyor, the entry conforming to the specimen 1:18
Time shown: 3:20
